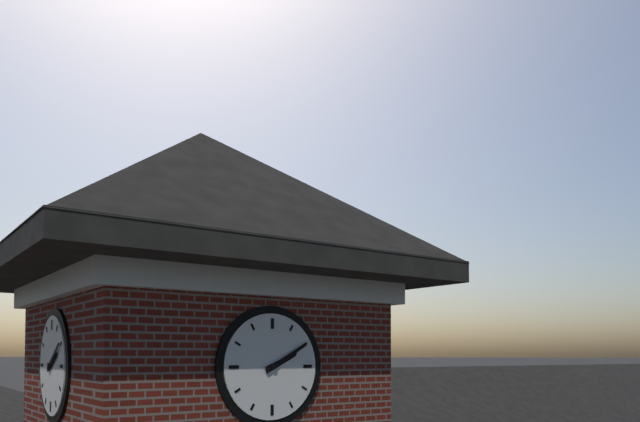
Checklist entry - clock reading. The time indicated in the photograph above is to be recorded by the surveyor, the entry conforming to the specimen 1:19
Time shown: 2:10
